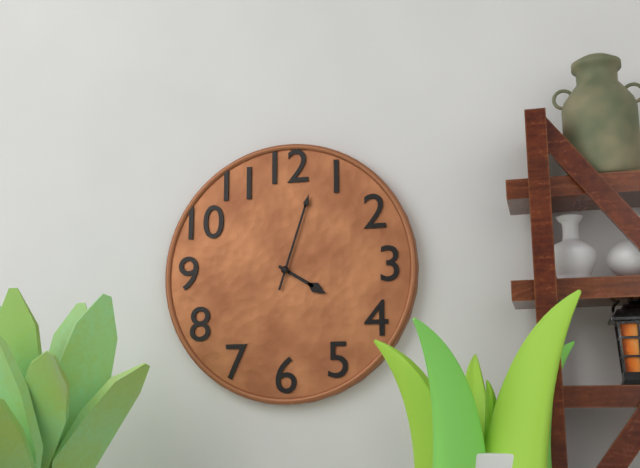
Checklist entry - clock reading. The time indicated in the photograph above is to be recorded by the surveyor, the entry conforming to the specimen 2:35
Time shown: 4:03
